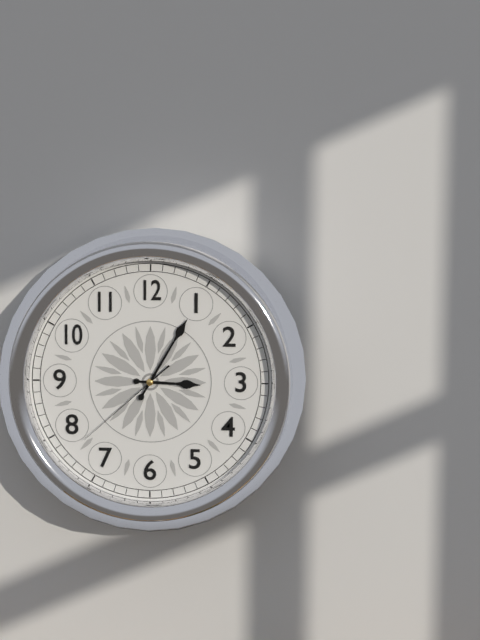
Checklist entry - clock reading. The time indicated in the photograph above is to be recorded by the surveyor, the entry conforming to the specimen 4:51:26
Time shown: 3:05:38
